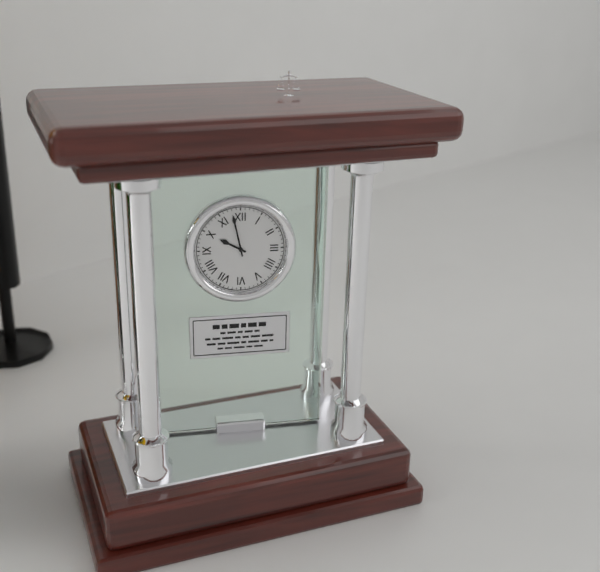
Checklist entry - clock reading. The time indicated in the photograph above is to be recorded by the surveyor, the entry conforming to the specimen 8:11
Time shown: 9:58
